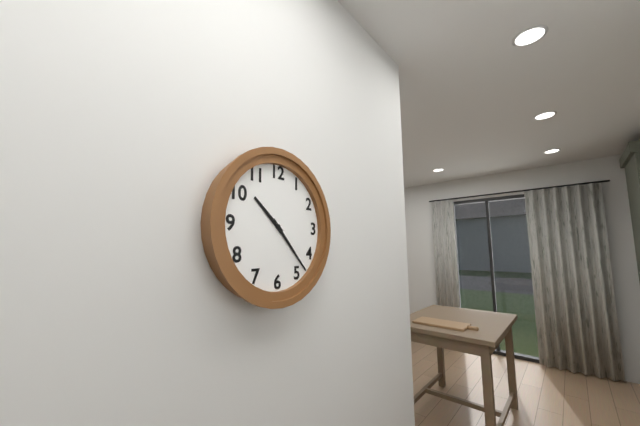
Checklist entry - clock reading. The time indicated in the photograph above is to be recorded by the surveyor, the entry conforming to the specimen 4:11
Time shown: 10:23
